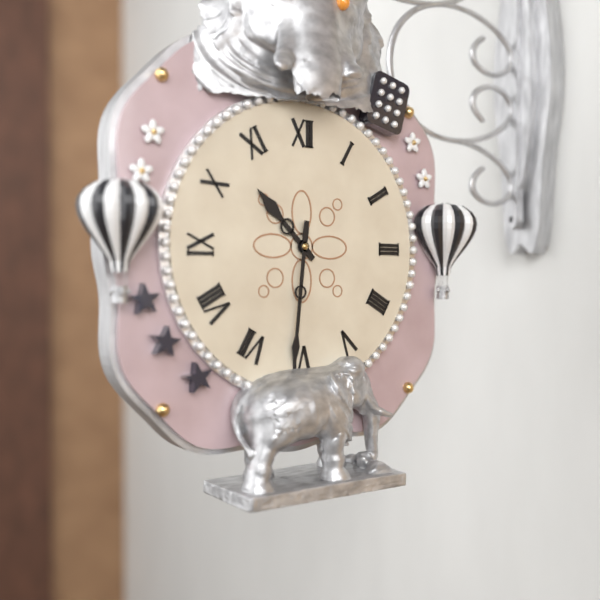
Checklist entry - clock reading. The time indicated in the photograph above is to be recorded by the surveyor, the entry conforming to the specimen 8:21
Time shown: 10:31
